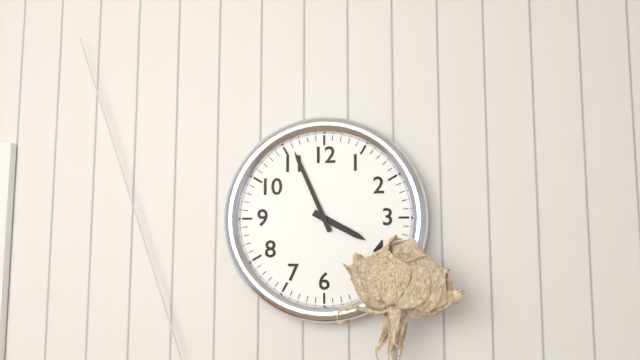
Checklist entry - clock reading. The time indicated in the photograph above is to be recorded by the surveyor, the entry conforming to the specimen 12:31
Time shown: 3:56
